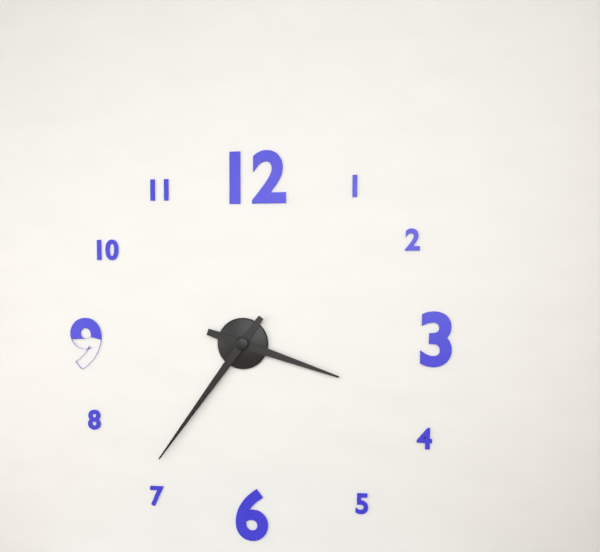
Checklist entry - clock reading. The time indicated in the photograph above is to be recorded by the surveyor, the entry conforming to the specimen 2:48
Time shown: 3:36
